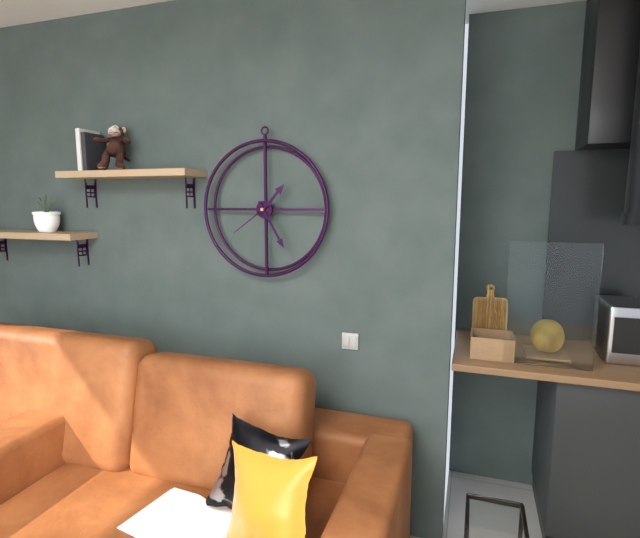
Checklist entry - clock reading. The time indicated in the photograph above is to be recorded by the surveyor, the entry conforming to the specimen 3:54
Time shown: 1:25
